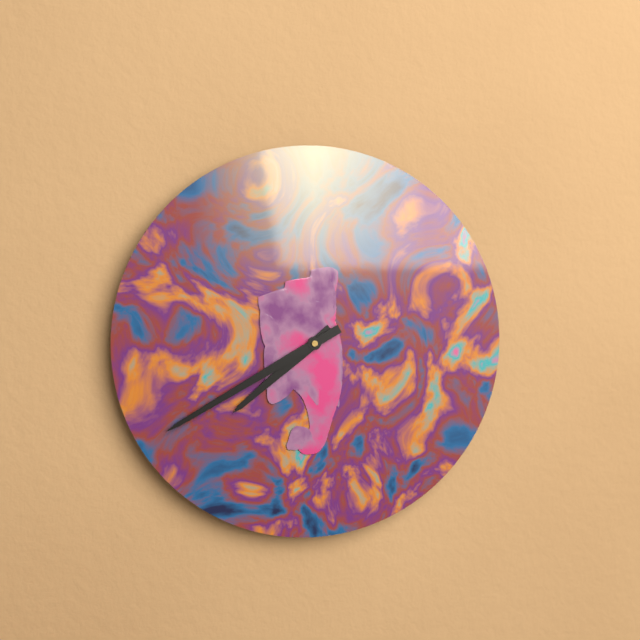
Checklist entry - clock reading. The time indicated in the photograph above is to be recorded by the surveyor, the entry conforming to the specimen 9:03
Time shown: 7:40
